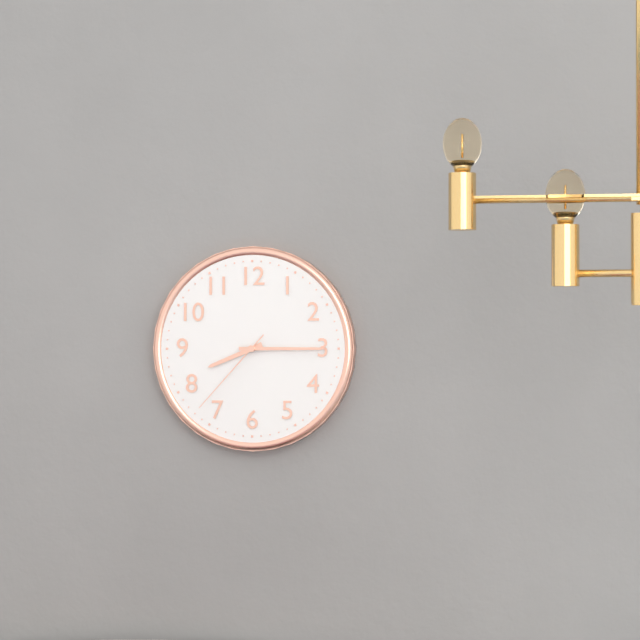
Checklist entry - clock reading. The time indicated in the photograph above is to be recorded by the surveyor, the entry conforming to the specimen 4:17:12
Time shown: 8:15:37
